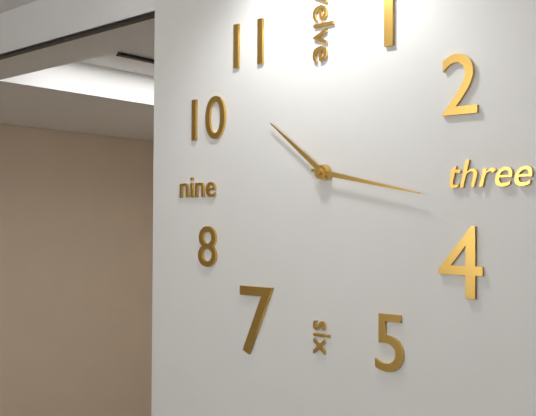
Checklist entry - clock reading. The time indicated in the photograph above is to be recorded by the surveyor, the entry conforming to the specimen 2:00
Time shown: 10:17
